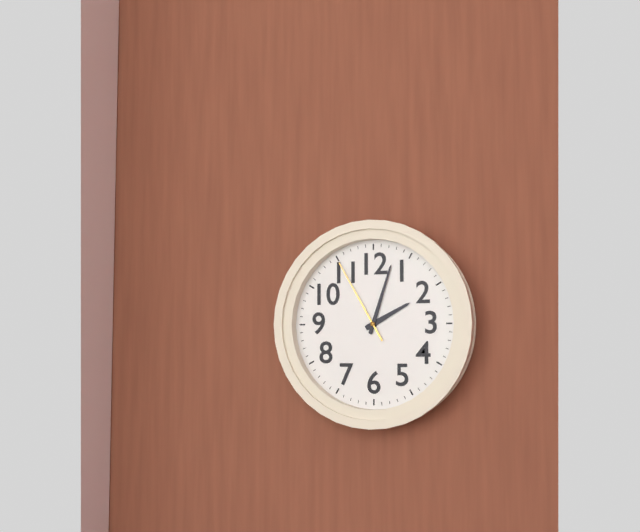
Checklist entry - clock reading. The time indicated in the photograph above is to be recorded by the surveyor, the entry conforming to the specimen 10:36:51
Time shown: 2:03:55
